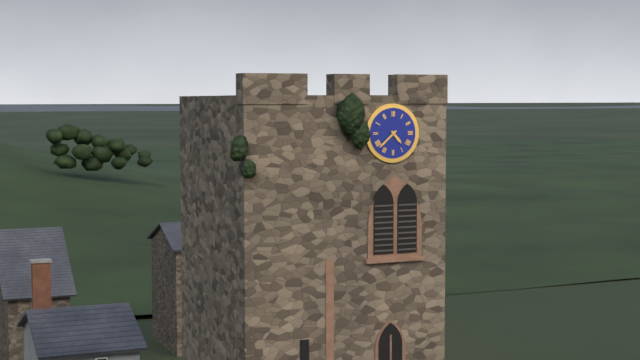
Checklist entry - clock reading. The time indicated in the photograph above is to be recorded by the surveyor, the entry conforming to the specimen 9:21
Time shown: 4:38
